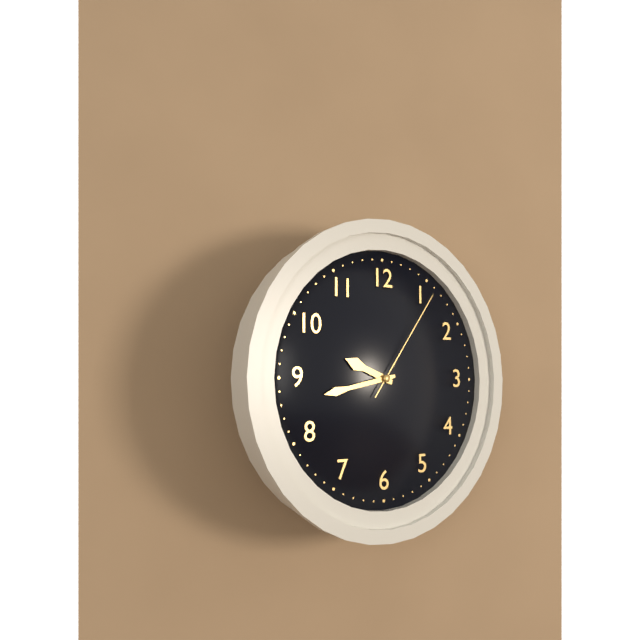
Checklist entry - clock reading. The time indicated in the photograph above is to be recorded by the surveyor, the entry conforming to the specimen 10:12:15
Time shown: 9:43:06
